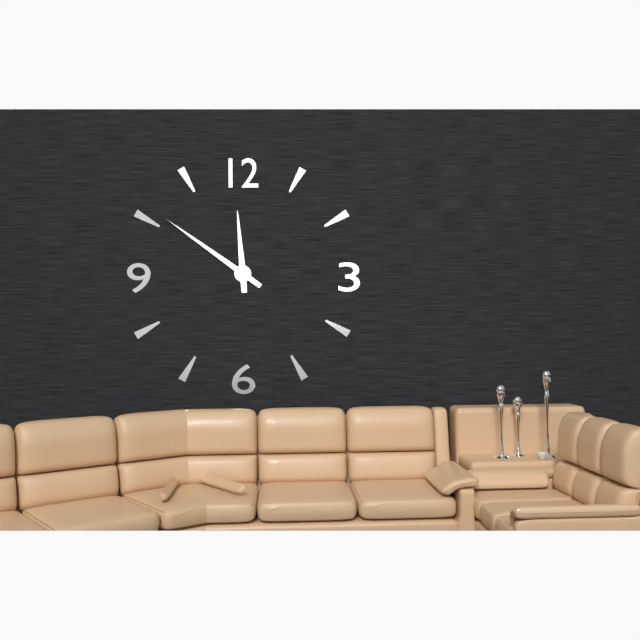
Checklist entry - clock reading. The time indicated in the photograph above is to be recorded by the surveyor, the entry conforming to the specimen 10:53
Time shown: 11:51
